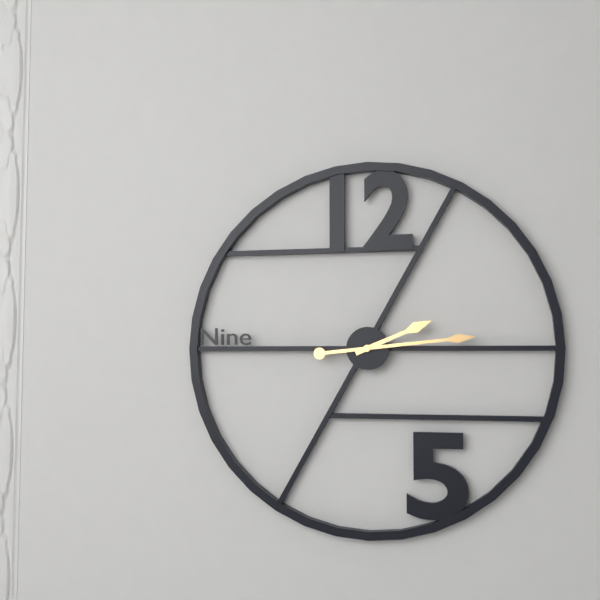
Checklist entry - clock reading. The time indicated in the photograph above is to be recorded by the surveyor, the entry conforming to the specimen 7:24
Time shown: 2:14
